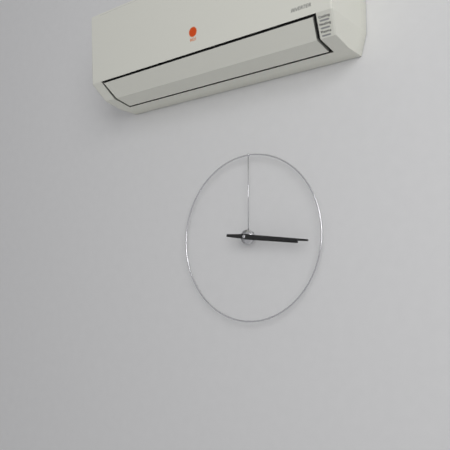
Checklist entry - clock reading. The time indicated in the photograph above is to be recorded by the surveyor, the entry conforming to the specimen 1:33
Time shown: 3:16
